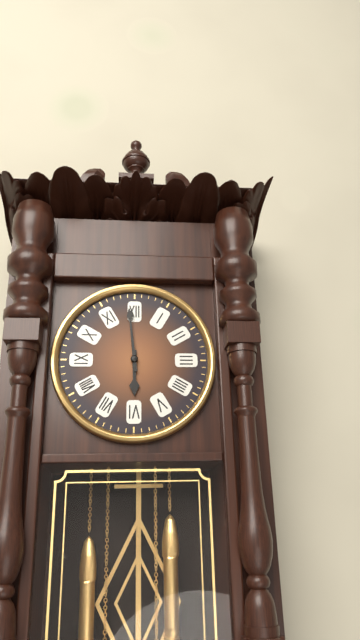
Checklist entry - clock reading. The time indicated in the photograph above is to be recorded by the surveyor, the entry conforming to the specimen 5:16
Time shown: 5:59
